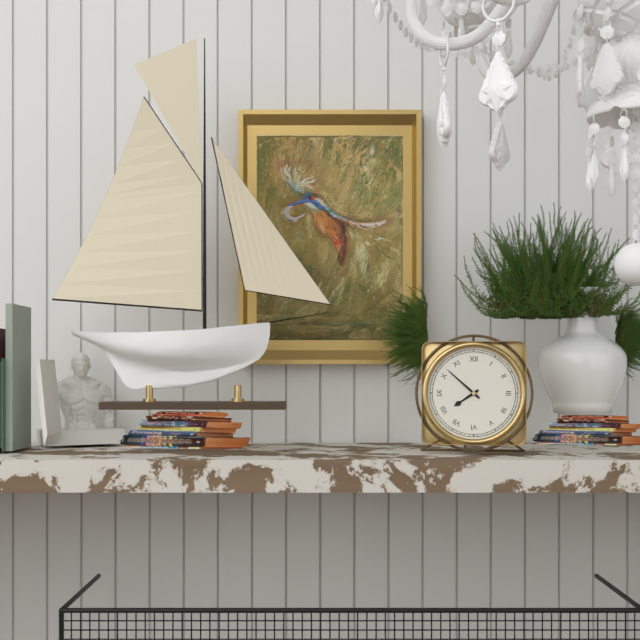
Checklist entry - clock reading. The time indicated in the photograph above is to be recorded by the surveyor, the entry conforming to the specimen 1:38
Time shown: 7:52
